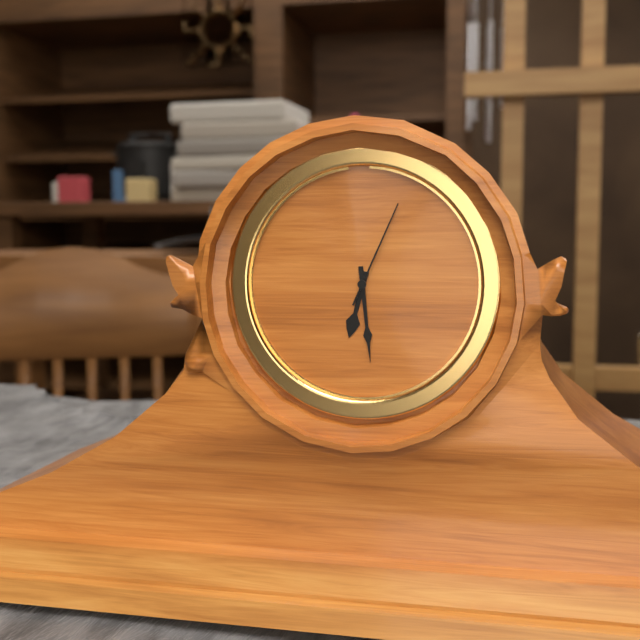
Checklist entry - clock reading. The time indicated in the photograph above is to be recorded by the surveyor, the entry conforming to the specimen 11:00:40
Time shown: 6:29:04
